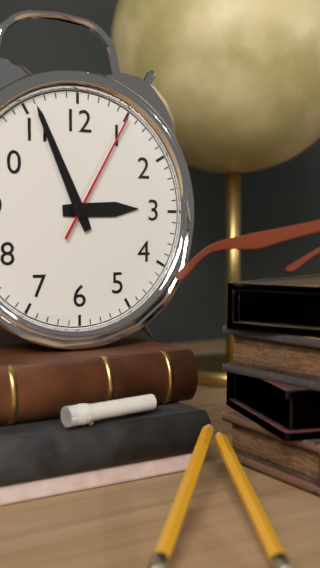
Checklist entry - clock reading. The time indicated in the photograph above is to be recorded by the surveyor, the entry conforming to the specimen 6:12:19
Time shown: 2:56:05
